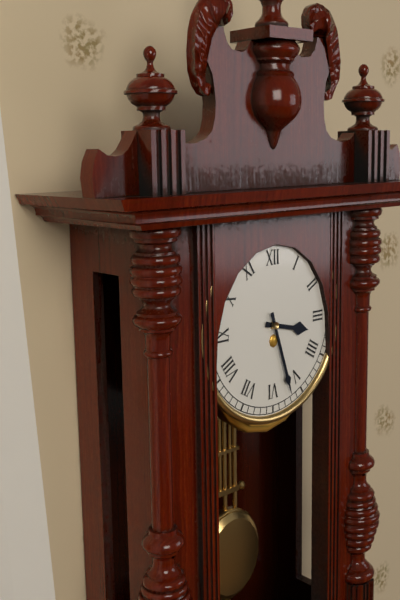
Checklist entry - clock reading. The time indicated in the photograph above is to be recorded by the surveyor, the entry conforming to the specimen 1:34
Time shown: 3:27
